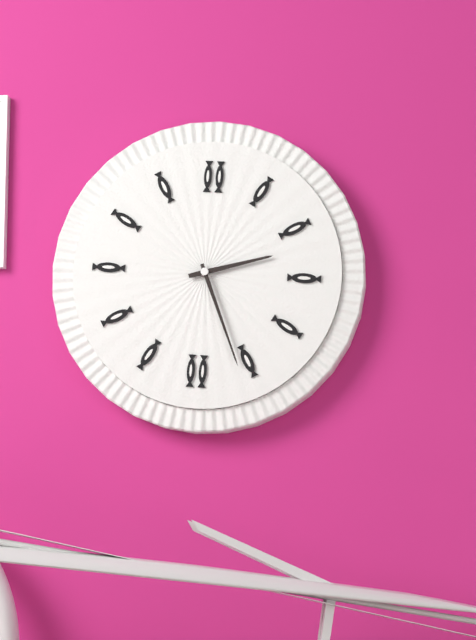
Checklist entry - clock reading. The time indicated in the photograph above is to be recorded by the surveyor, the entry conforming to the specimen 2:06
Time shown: 2:26
